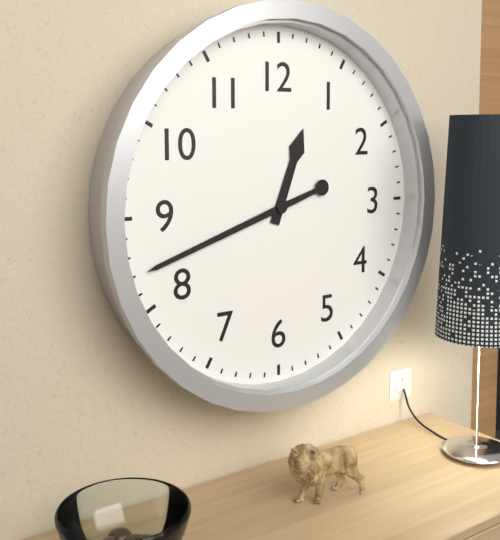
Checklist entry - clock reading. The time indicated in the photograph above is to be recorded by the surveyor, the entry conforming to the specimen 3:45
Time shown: 12:42
